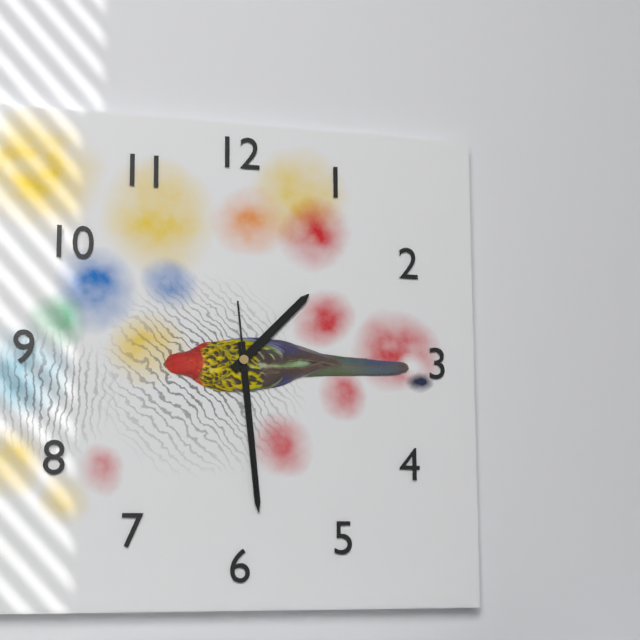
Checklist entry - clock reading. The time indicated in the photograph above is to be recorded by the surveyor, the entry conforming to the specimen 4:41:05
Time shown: 1:29:29
